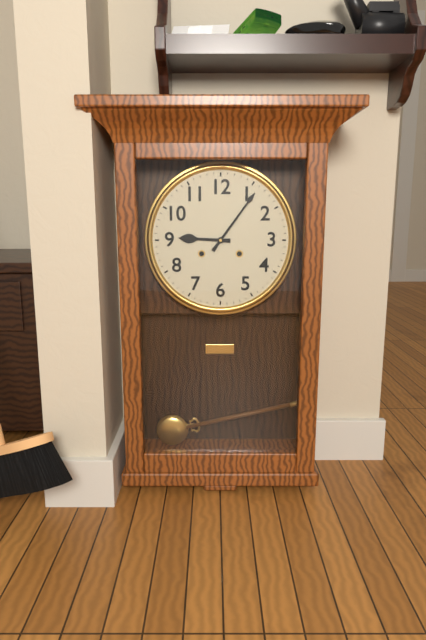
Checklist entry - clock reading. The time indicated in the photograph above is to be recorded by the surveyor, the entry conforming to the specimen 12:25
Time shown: 9:06
